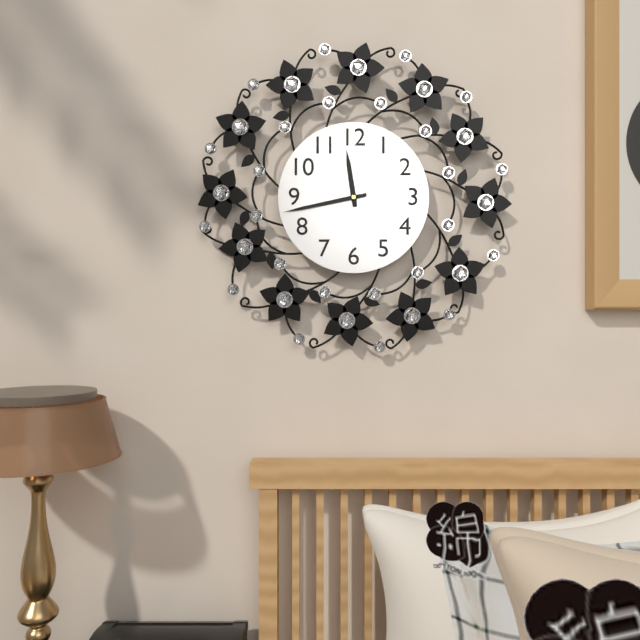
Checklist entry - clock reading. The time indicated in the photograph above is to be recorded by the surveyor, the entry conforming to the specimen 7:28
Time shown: 11:43
